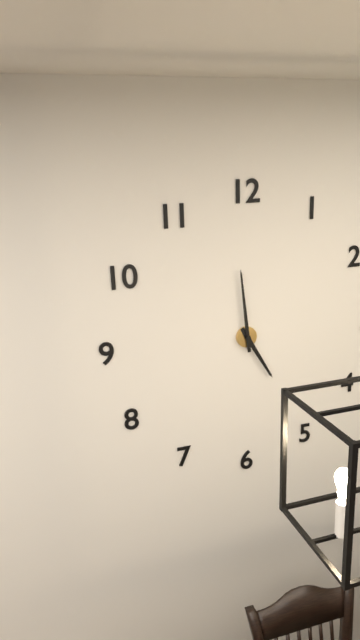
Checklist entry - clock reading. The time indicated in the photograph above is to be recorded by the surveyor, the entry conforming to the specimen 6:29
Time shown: 4:59
